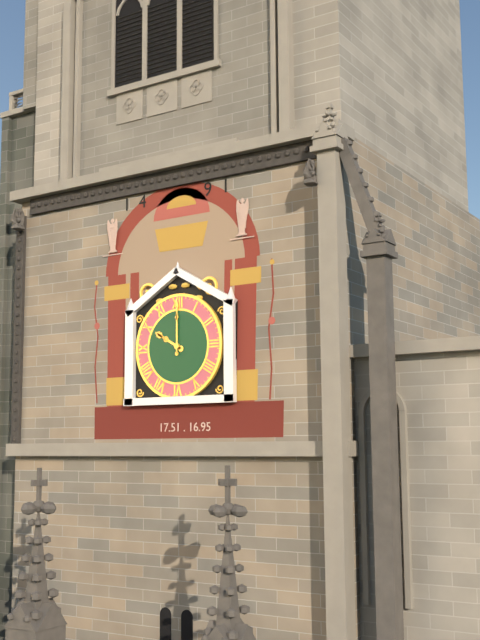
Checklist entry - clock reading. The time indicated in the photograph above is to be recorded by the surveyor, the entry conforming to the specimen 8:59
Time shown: 10:00
